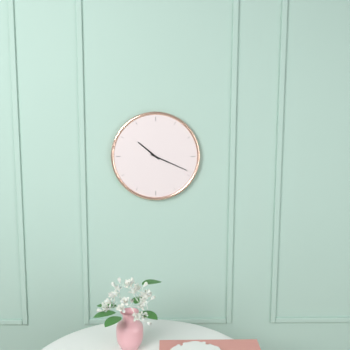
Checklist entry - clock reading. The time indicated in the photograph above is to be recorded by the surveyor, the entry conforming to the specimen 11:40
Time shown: 10:19
